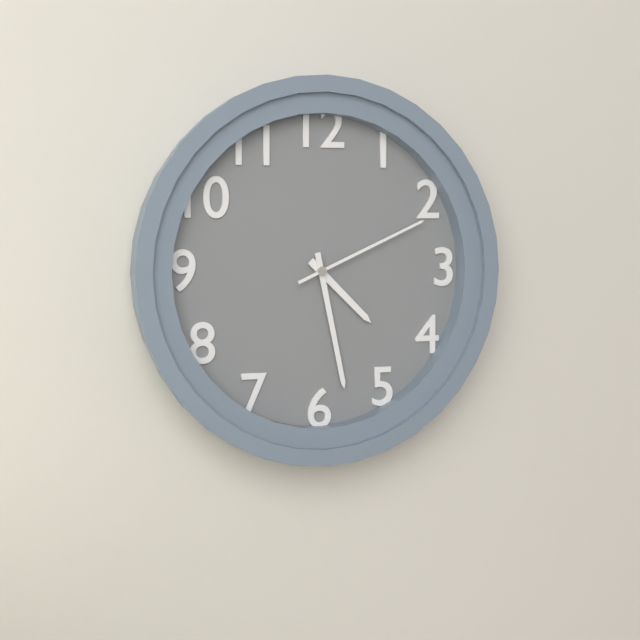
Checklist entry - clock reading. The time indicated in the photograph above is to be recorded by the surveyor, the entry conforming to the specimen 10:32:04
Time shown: 4:28:11
